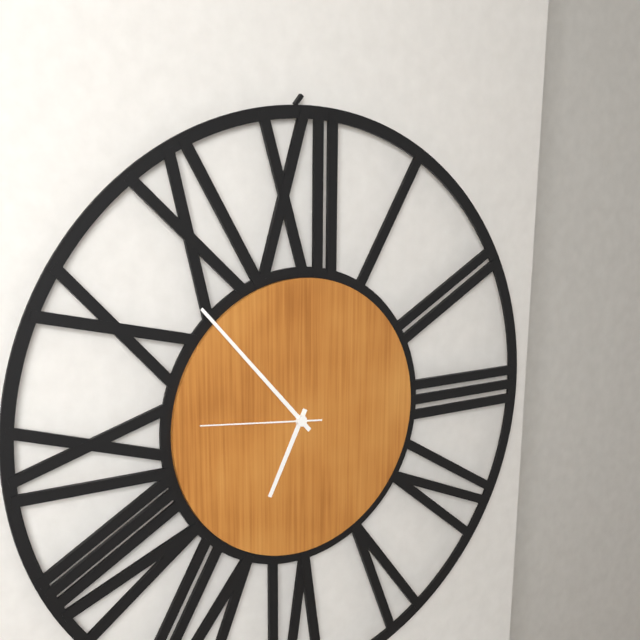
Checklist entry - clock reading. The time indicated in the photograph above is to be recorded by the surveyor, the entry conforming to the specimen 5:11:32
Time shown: 6:53:46
